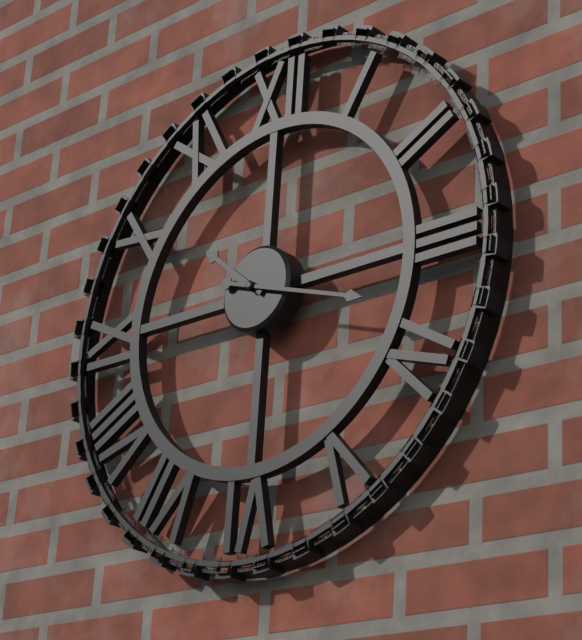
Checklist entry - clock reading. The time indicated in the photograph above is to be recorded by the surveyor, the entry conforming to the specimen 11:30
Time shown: 10:18
